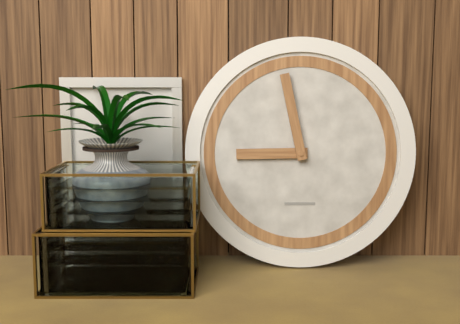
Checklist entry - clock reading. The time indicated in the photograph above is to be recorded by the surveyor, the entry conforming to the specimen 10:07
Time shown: 8:58
